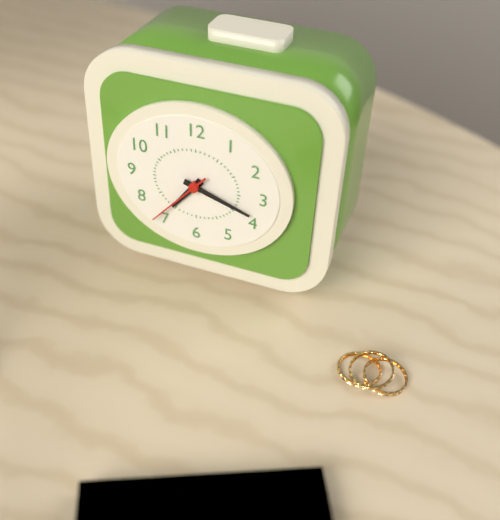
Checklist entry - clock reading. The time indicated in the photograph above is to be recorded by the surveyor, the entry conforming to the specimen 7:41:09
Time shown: 7:18:37
